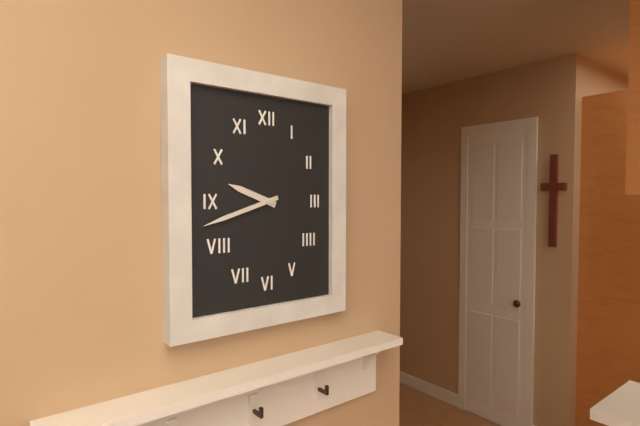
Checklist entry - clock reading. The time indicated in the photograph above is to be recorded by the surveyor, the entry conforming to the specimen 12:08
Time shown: 9:42
